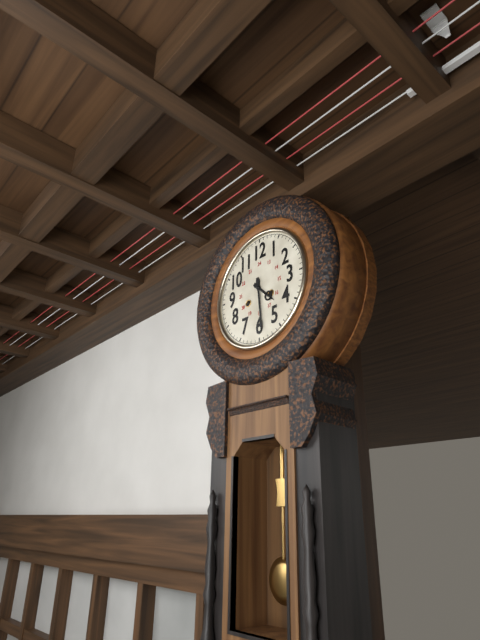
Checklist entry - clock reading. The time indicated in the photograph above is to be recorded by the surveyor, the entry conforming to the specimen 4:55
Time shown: 4:29
